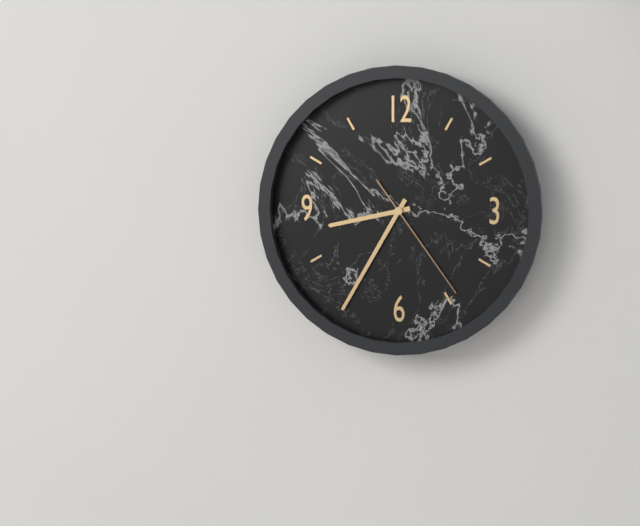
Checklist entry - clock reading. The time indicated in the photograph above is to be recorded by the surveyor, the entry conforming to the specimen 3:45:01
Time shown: 8:35:24
